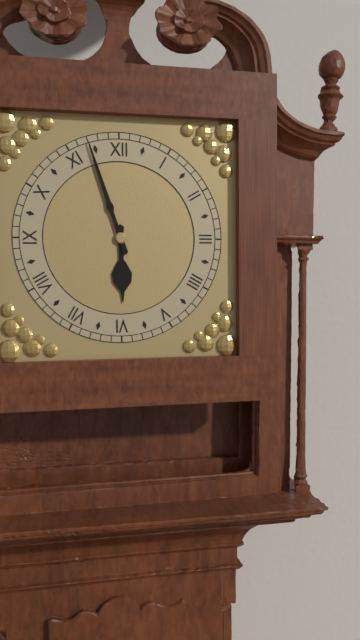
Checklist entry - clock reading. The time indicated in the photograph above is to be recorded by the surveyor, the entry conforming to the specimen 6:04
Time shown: 5:57
